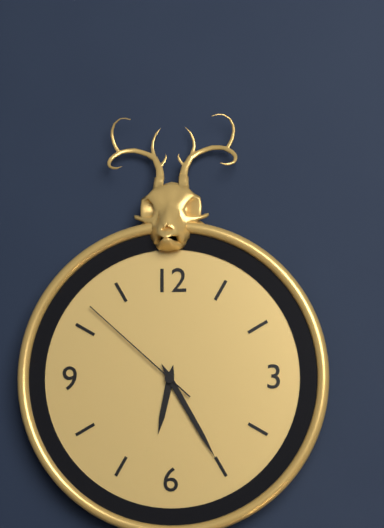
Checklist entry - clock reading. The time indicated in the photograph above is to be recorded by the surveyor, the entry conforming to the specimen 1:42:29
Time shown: 6:25:52
